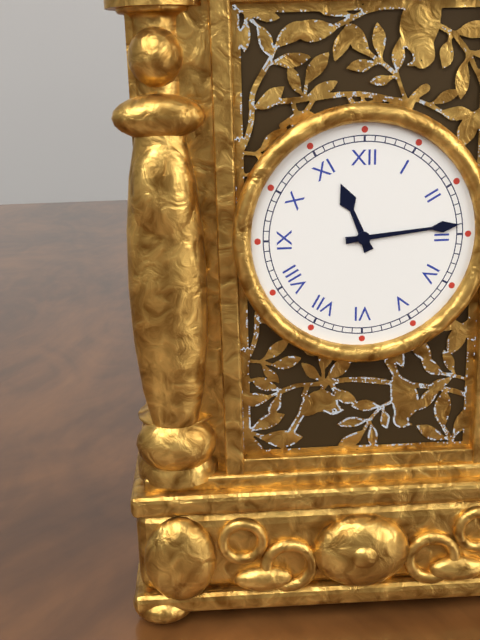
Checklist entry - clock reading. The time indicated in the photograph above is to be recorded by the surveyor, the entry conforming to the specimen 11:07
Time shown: 11:14
